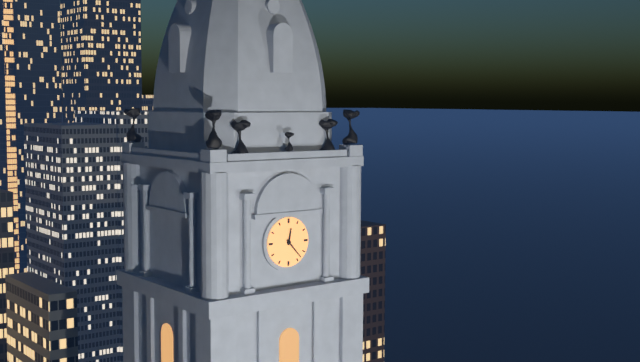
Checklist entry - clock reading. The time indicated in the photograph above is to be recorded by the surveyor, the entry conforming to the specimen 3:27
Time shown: 12:23
